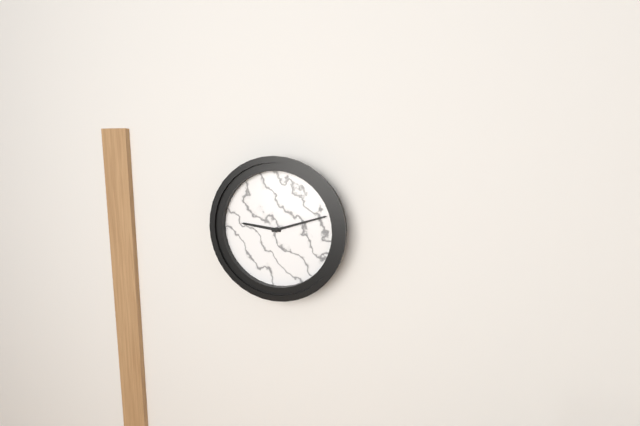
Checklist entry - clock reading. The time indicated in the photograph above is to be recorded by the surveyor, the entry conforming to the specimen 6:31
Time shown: 9:12
